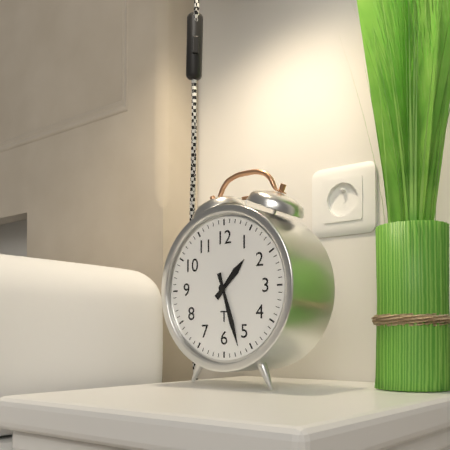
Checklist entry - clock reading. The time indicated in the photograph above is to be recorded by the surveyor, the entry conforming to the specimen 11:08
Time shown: 1:27
